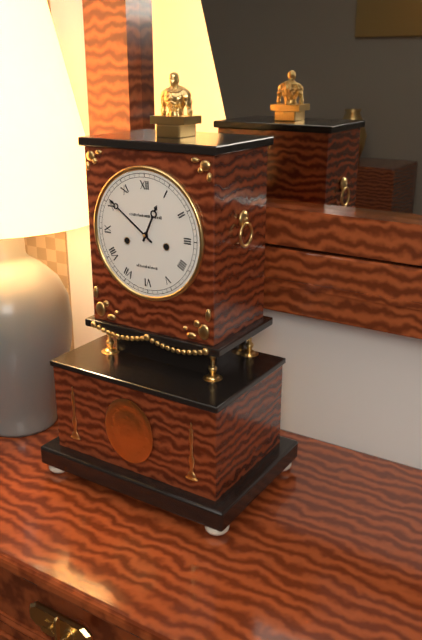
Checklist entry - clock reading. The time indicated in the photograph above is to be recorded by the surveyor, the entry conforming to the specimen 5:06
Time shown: 12:51
